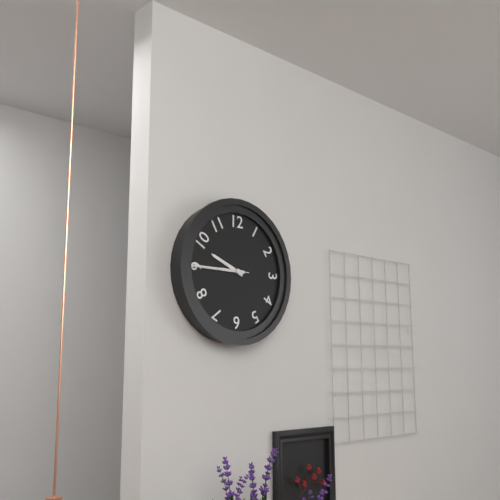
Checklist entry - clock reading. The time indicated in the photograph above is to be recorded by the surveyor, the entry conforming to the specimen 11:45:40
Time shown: 9:45:45
